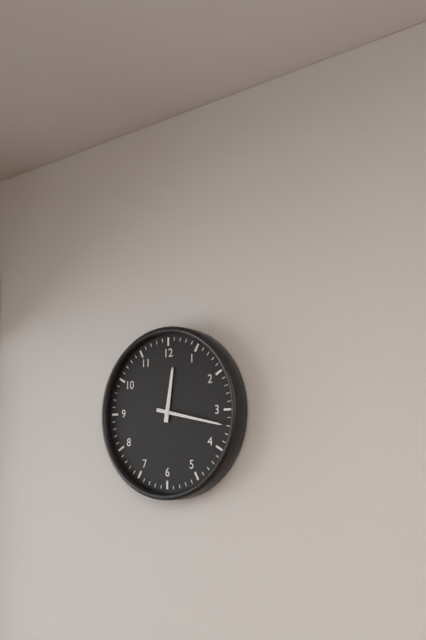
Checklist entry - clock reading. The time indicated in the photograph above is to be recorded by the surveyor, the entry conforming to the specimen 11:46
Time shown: 12:17
